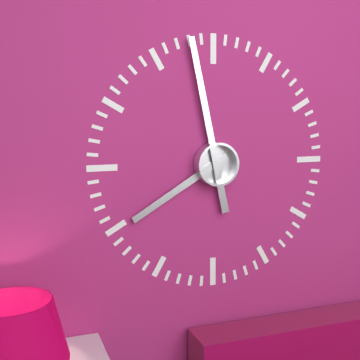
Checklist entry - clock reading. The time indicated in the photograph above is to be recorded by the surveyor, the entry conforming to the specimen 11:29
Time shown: 7:58
